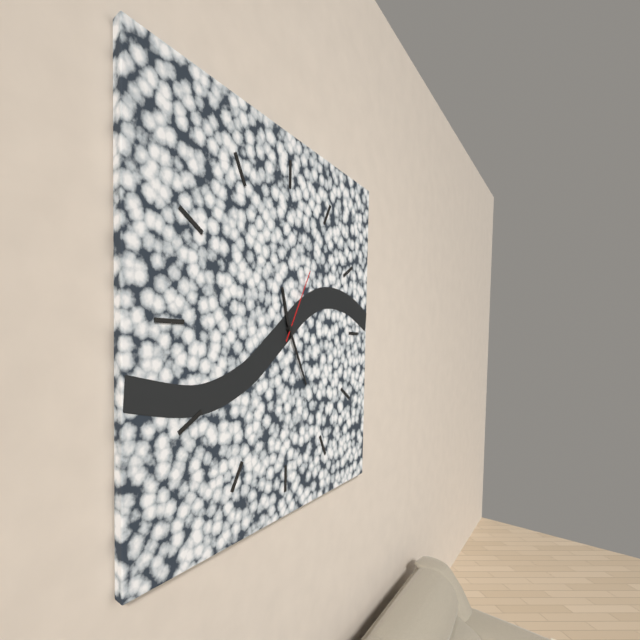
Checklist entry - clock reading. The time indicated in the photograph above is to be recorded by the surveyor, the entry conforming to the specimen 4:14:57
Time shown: 11:25:05
